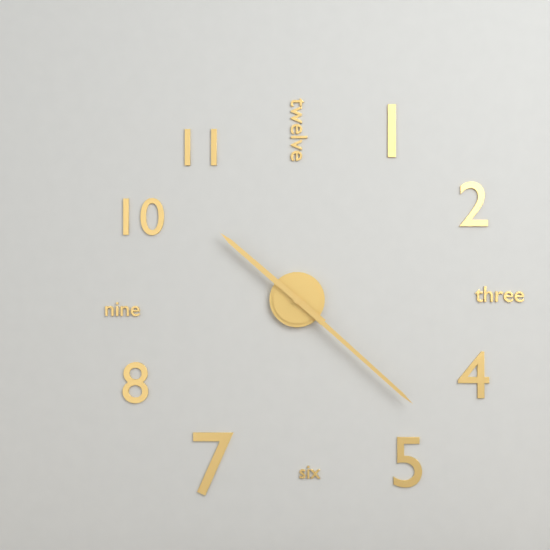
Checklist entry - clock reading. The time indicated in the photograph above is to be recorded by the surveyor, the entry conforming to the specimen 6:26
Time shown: 10:22
